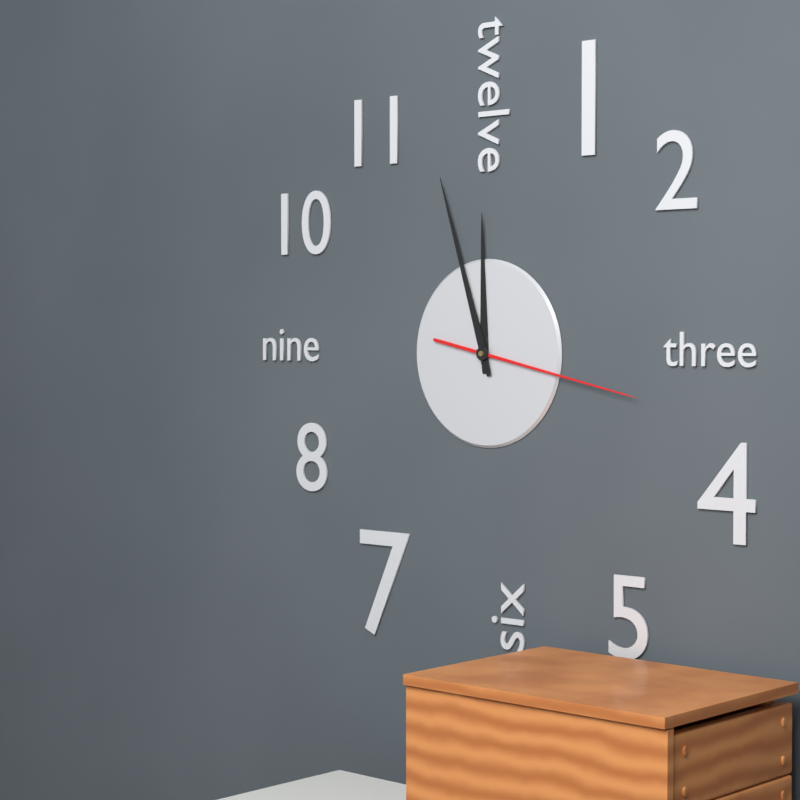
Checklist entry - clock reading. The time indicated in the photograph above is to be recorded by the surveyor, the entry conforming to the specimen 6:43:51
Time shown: 11:57:17
